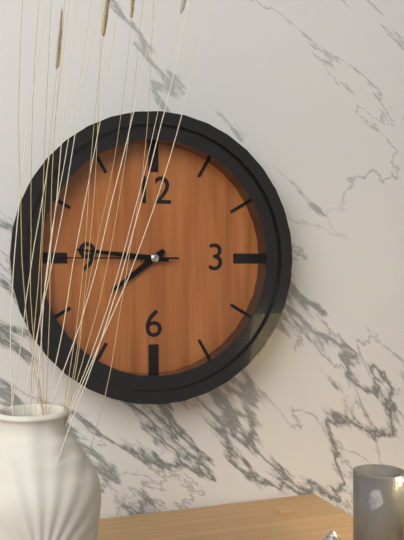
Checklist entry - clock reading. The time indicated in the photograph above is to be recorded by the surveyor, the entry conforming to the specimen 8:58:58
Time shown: 7:46:45
